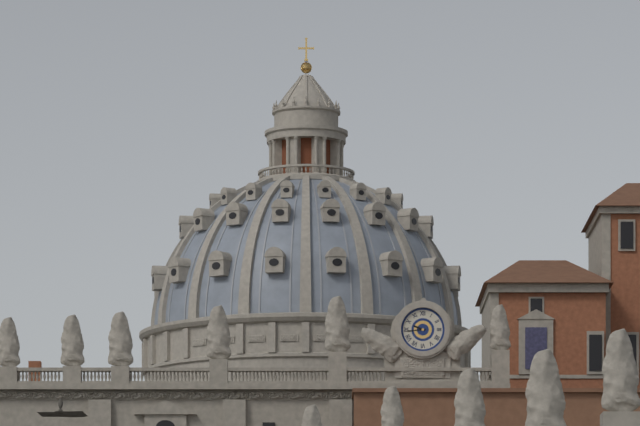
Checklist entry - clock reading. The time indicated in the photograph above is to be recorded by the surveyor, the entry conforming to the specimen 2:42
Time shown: 9:44
